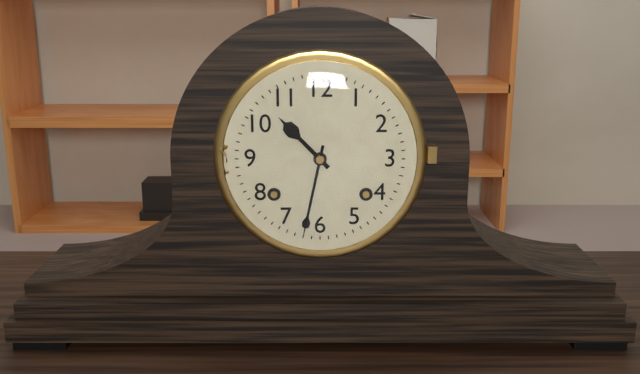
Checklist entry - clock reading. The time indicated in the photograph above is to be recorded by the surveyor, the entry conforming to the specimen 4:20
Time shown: 10:32
